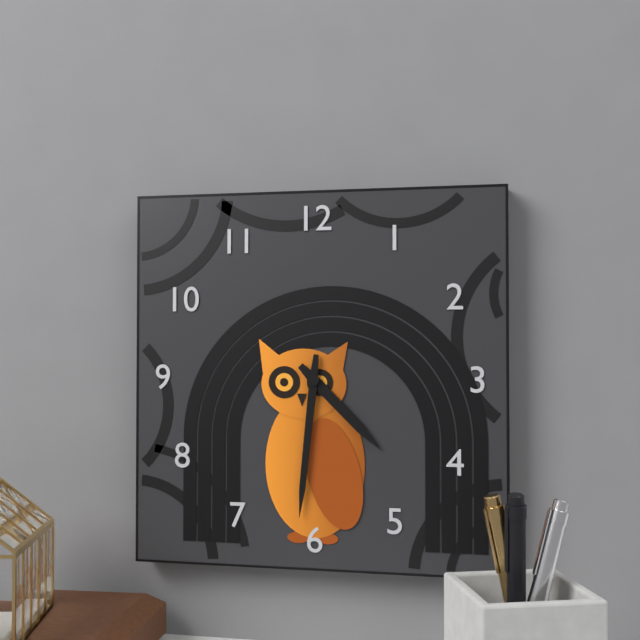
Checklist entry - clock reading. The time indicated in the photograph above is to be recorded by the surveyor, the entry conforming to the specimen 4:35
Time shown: 4:31
